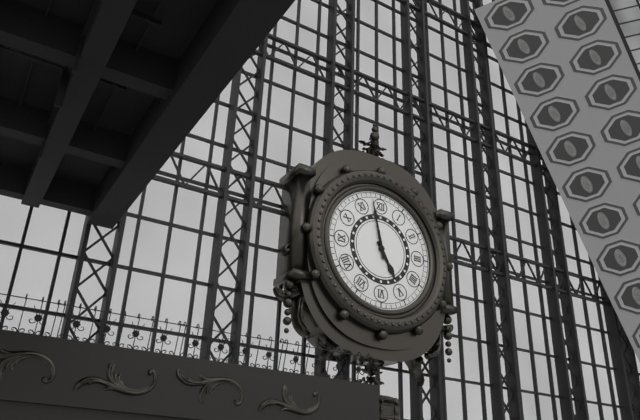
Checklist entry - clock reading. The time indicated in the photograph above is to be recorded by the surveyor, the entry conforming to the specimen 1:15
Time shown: 4:58
